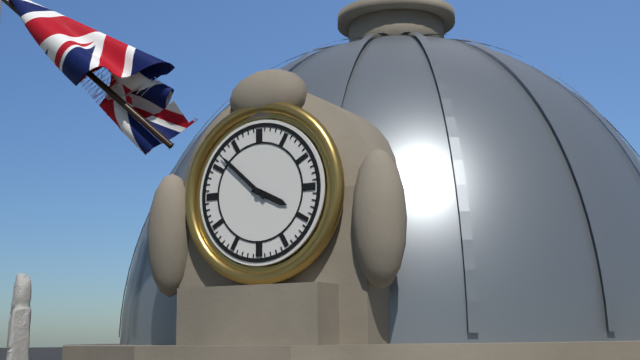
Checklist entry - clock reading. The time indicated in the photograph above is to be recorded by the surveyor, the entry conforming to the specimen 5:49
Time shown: 3:52
